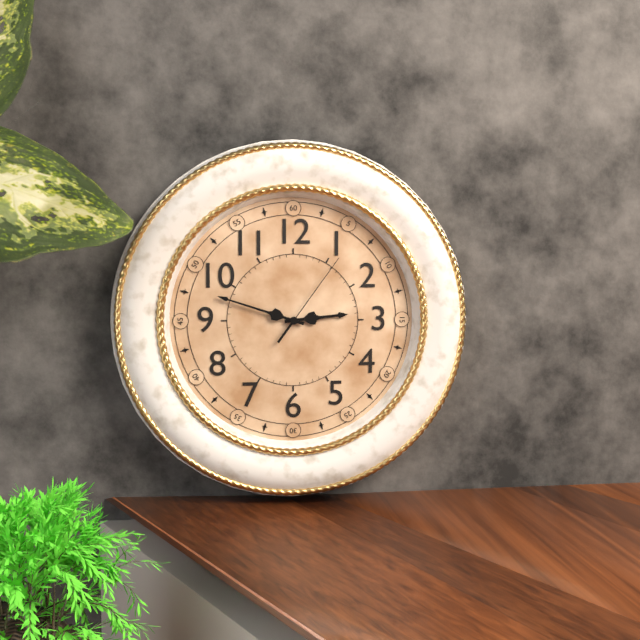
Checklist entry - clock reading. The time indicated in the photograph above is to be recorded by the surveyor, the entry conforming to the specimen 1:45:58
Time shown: 2:48:06
